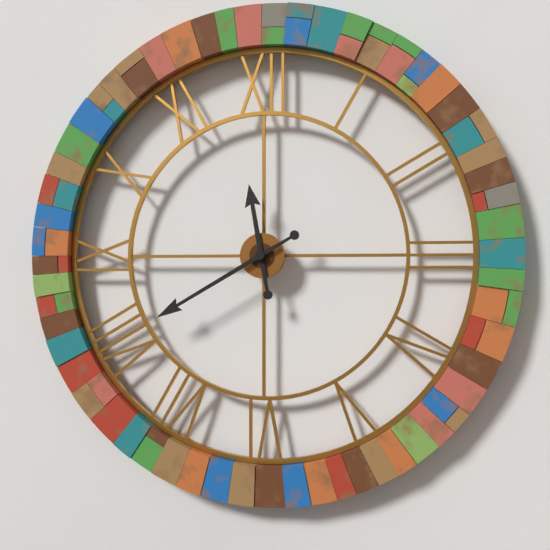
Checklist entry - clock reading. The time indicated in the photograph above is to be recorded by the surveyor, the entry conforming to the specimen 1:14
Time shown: 11:40
